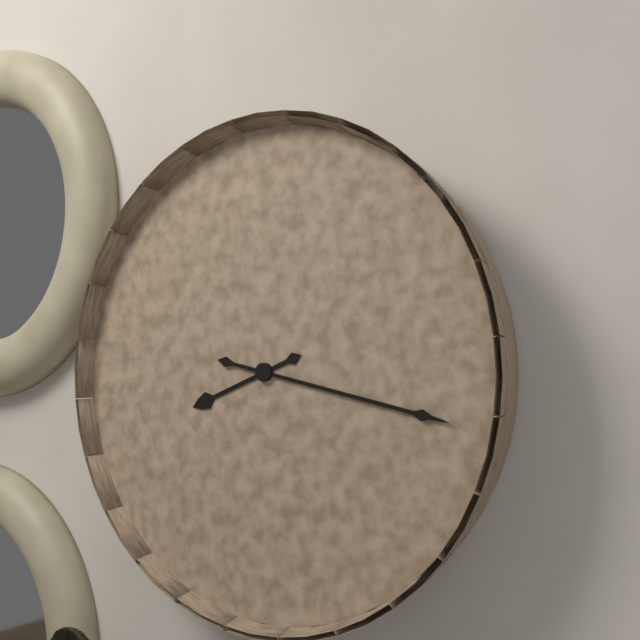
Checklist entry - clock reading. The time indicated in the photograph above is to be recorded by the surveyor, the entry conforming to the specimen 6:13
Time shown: 8:17
